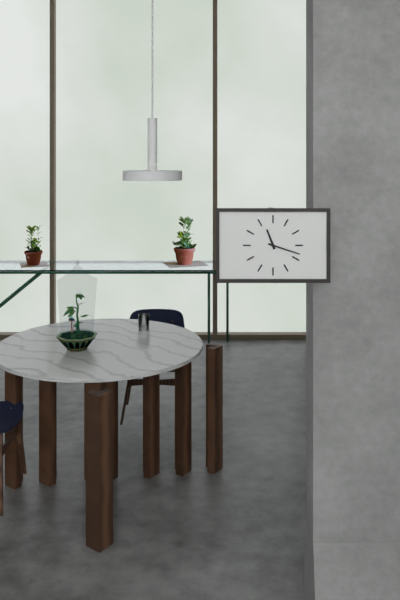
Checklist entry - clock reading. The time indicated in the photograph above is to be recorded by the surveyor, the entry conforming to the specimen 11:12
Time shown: 11:18
